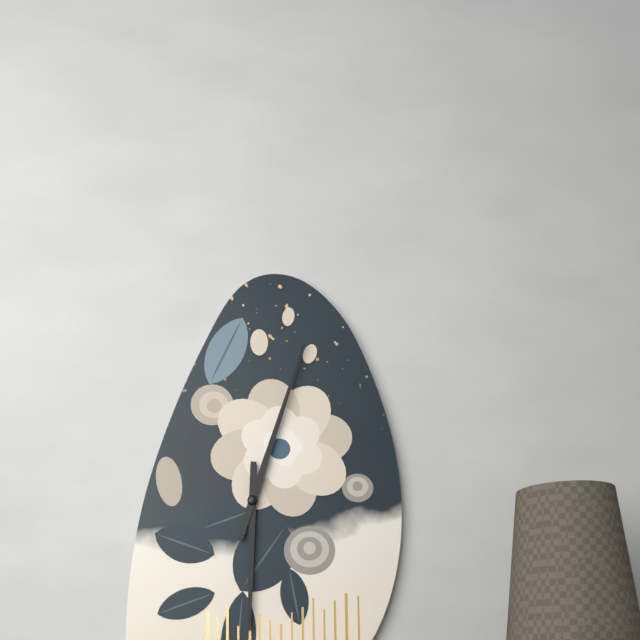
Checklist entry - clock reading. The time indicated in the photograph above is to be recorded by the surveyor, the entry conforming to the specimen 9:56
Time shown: 6:03
